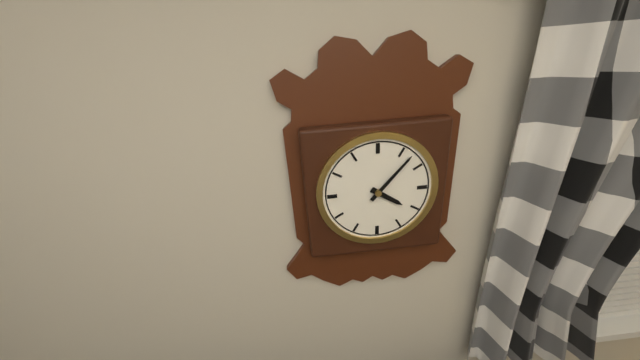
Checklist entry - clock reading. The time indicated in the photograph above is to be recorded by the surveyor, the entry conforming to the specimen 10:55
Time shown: 4:07
